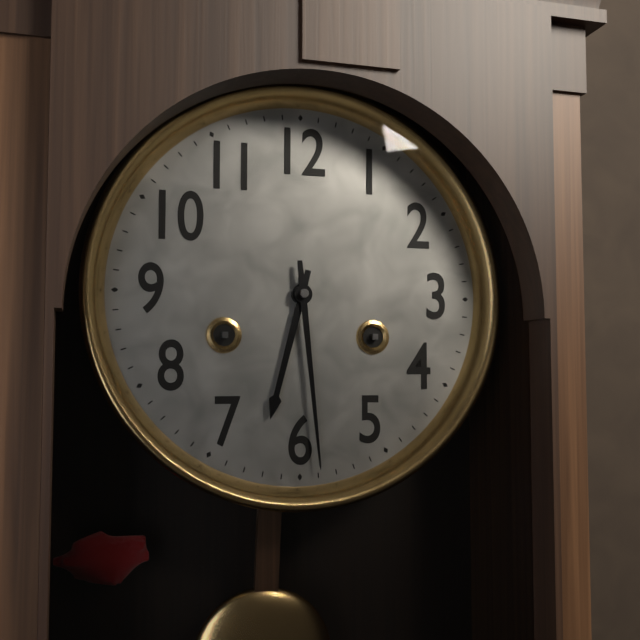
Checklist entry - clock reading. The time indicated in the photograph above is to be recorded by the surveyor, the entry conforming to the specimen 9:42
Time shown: 6:29
